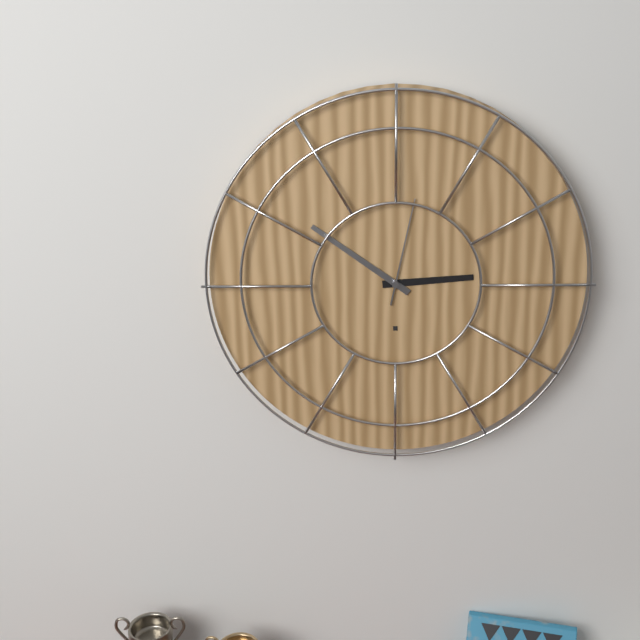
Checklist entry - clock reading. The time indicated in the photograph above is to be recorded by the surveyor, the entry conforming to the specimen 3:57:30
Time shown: 2:51:02
